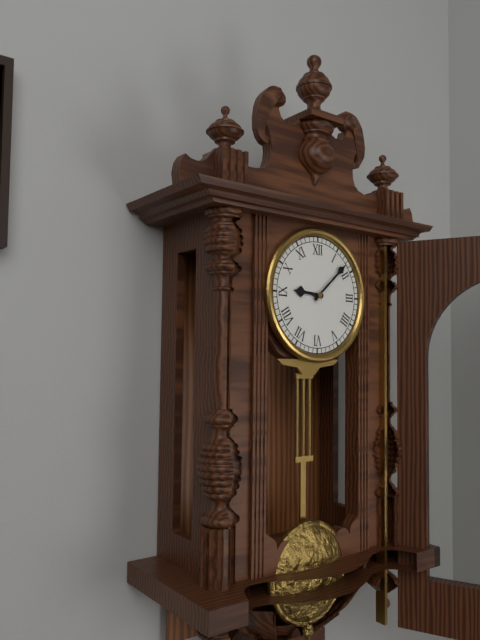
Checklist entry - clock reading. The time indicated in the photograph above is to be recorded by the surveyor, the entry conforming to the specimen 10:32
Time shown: 9:08
